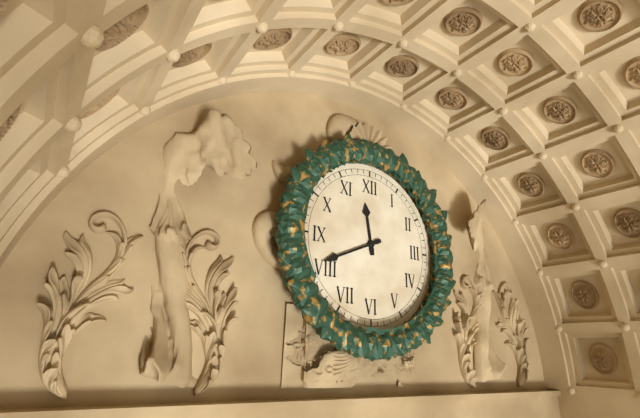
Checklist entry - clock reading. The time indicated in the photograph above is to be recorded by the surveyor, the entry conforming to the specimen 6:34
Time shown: 11:41
